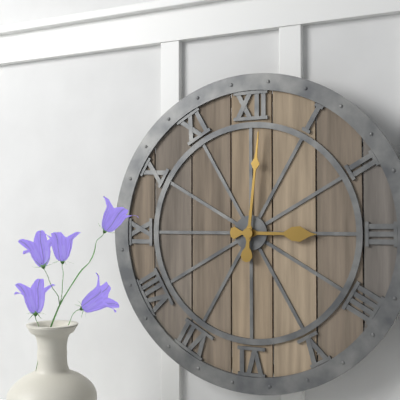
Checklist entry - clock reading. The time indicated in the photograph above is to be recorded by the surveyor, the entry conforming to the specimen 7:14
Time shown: 3:01
